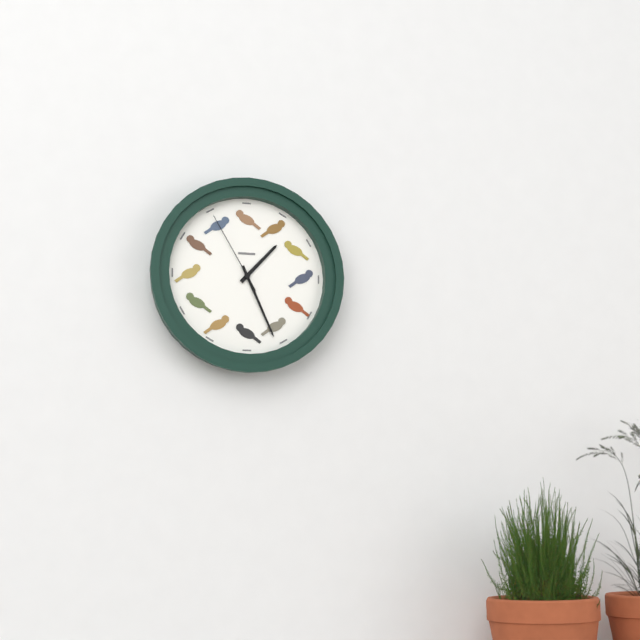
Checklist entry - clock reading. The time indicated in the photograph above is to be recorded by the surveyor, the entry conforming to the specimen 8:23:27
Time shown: 1:26:55
